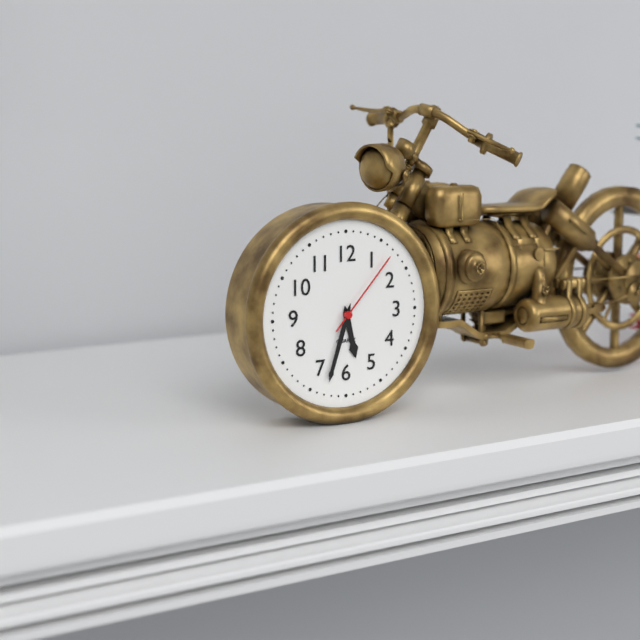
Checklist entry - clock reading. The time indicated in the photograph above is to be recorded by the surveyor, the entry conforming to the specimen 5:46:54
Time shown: 5:33:07
